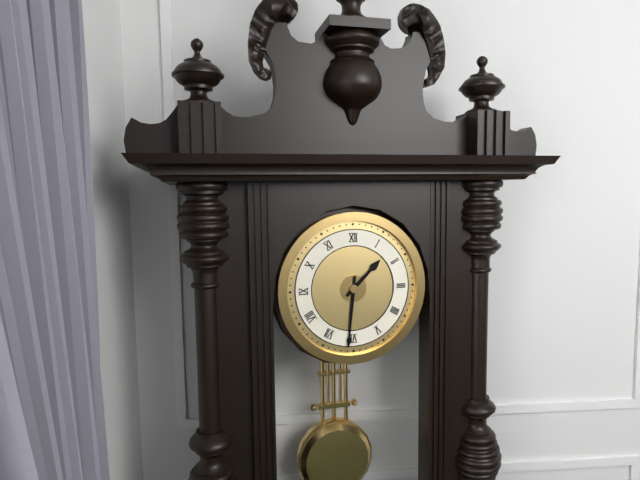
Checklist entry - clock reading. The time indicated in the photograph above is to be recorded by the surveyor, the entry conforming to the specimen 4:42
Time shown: 1:31
